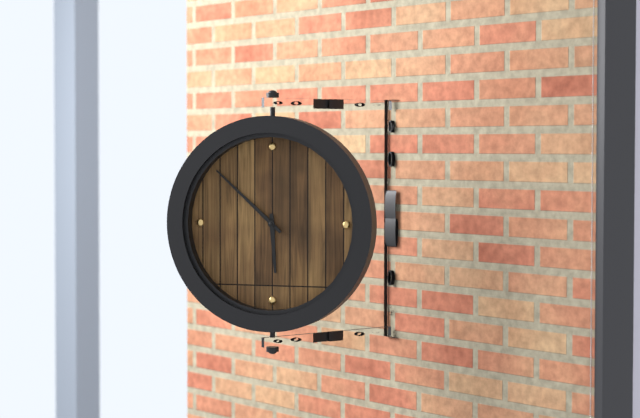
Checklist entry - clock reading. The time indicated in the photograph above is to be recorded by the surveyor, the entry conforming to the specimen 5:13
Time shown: 5:52
